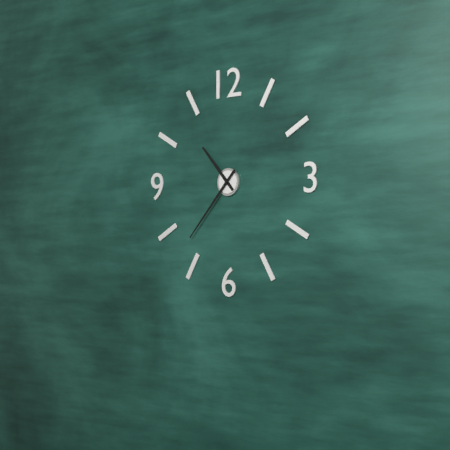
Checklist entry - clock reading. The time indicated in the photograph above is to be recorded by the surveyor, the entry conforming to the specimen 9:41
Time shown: 10:37
